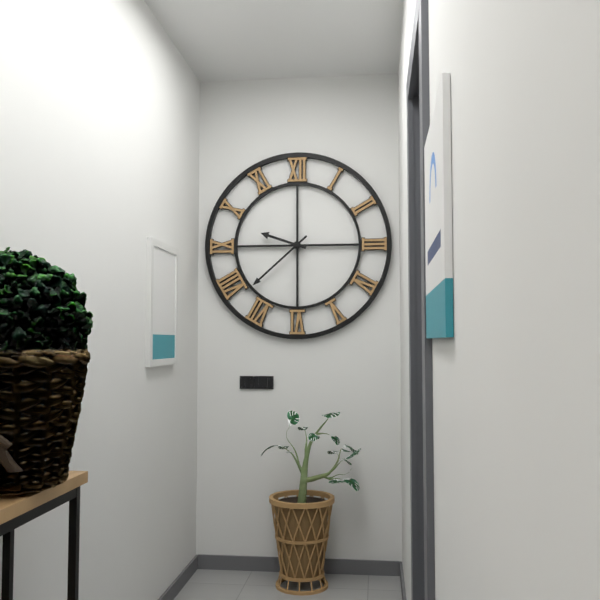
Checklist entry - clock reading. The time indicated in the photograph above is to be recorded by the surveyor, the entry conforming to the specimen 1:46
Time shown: 9:38
